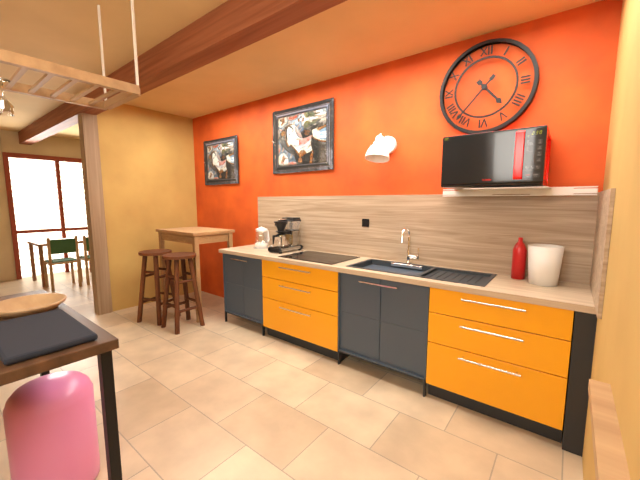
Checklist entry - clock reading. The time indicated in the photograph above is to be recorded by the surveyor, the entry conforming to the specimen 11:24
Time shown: 4:37
